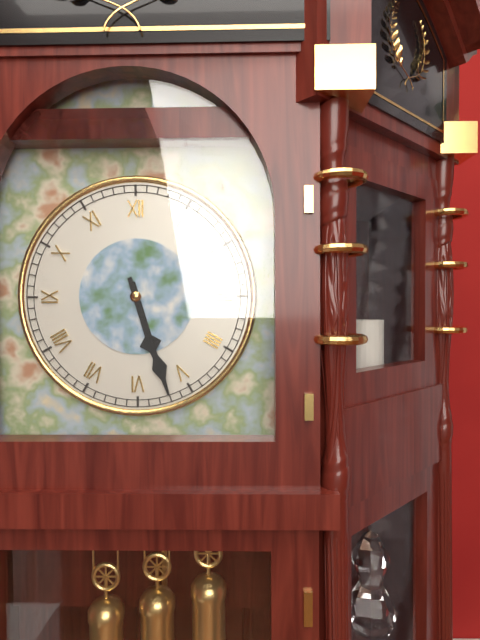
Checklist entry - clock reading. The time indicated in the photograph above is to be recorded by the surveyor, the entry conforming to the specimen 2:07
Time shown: 5:27
